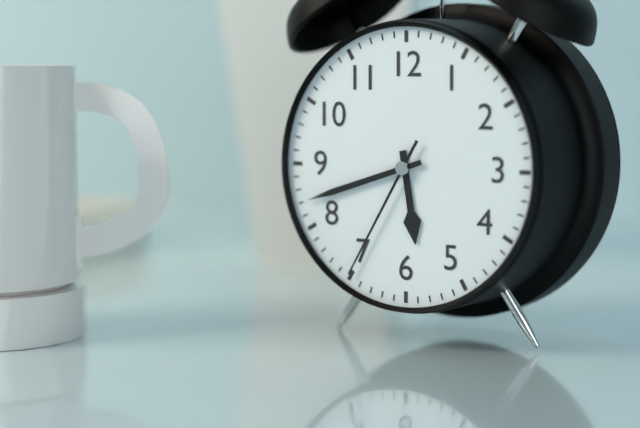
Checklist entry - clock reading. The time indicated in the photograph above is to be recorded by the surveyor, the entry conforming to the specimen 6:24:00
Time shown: 5:42:35
